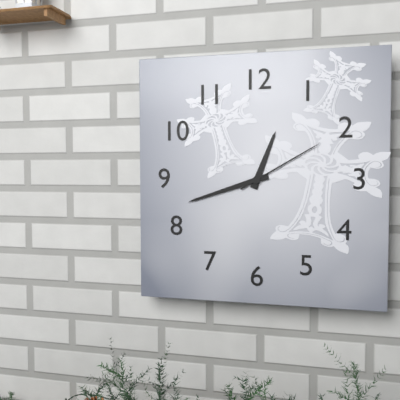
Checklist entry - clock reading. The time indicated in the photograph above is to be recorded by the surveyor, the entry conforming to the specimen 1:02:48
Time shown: 12:42:10
